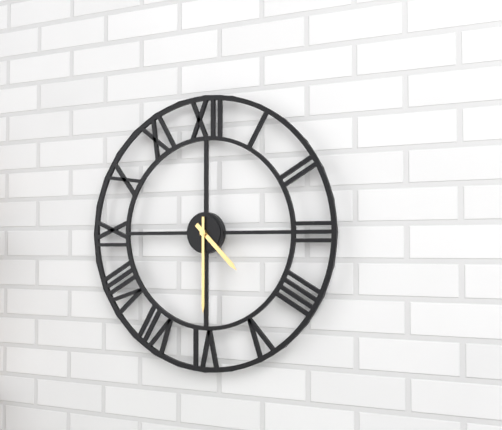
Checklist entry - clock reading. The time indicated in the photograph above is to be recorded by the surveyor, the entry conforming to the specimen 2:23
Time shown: 4:30
